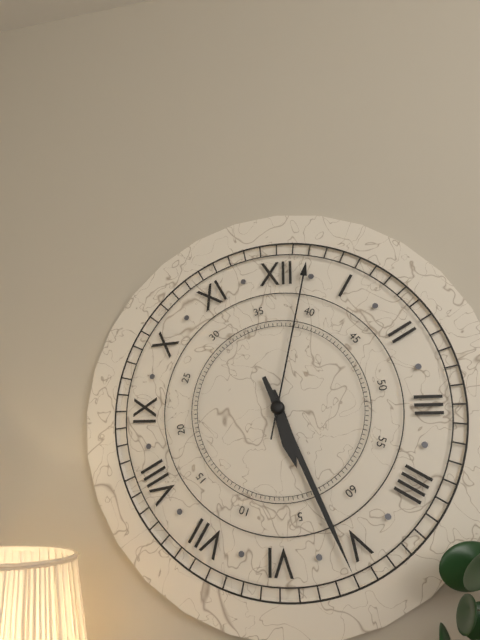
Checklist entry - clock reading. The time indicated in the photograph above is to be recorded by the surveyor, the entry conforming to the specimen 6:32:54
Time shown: 5:26:02
